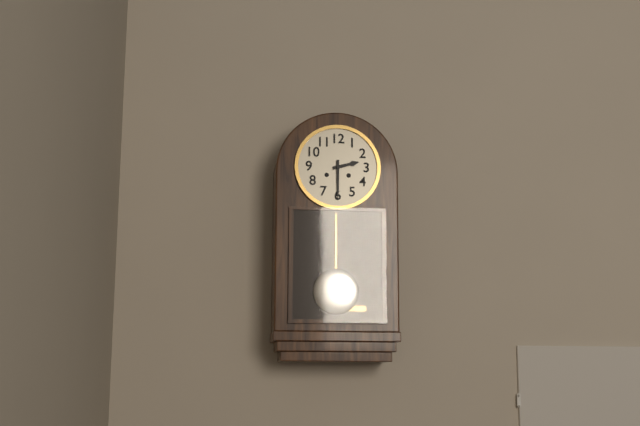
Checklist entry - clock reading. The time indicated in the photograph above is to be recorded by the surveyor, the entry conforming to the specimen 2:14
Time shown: 2:30
